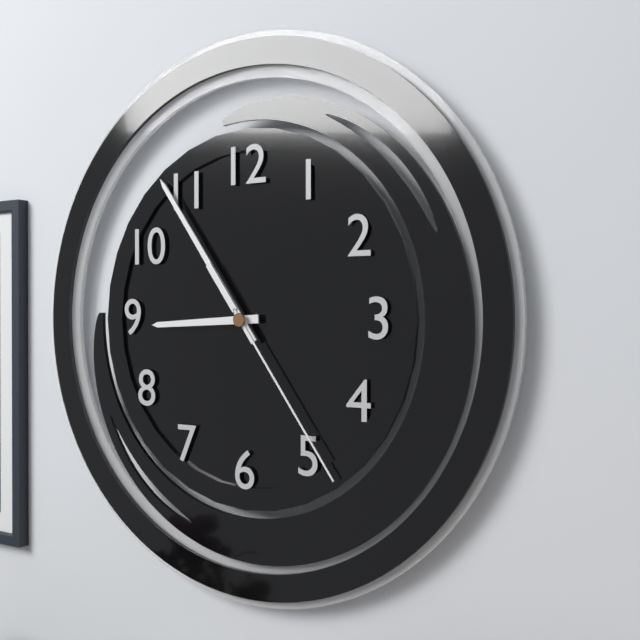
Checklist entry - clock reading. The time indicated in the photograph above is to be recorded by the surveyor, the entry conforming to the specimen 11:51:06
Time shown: 8:54:24
